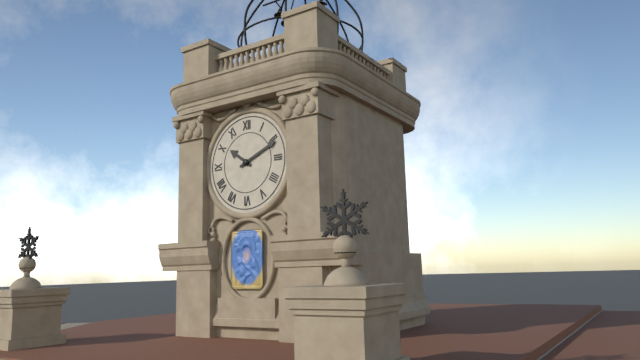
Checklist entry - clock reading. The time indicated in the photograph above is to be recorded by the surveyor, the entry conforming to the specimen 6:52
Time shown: 10:11
